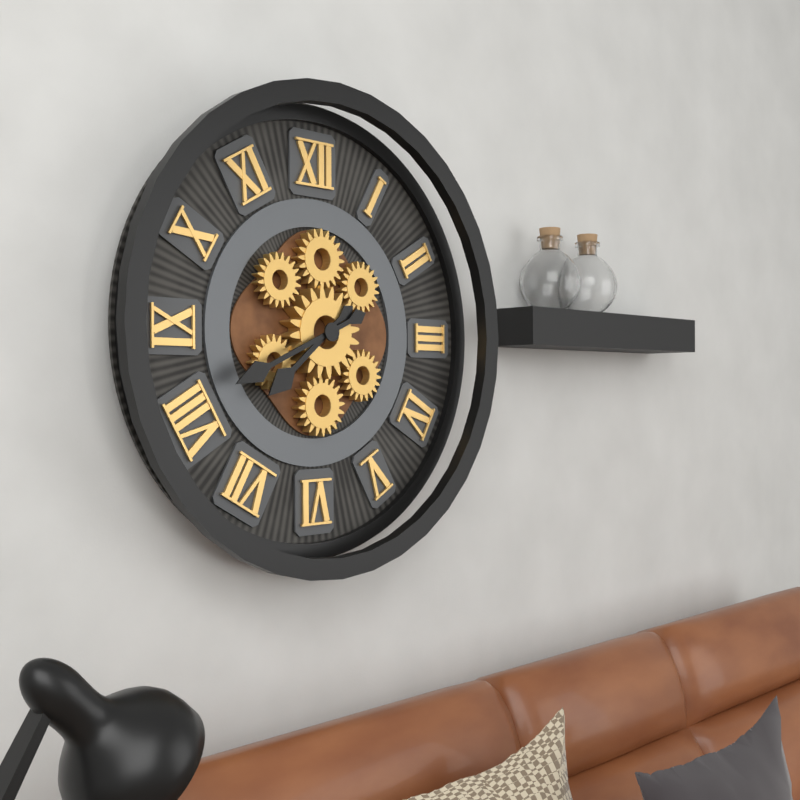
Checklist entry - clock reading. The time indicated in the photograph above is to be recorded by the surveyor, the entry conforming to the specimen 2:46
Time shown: 7:41
